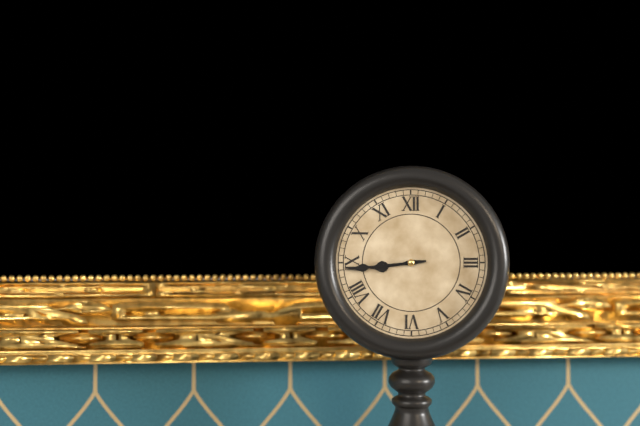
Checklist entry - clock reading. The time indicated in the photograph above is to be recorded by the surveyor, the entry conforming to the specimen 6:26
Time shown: 8:44
